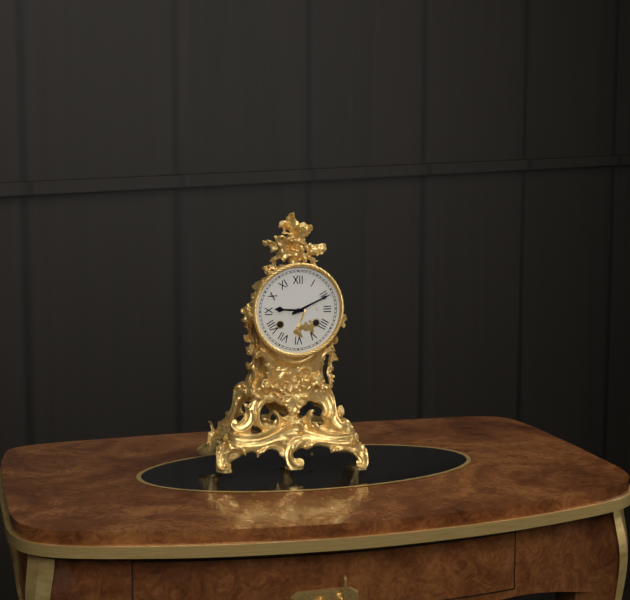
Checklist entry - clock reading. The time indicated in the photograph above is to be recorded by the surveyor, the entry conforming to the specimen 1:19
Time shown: 9:11
